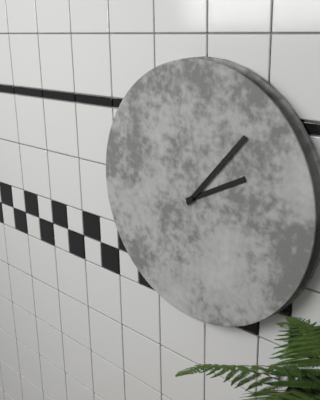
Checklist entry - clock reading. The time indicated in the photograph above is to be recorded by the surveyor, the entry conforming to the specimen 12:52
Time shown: 2:07
